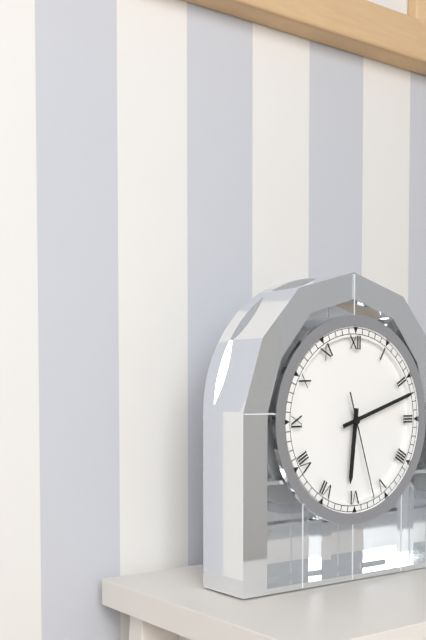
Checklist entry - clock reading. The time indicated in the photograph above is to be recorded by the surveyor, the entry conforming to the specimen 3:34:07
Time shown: 6:12:27
